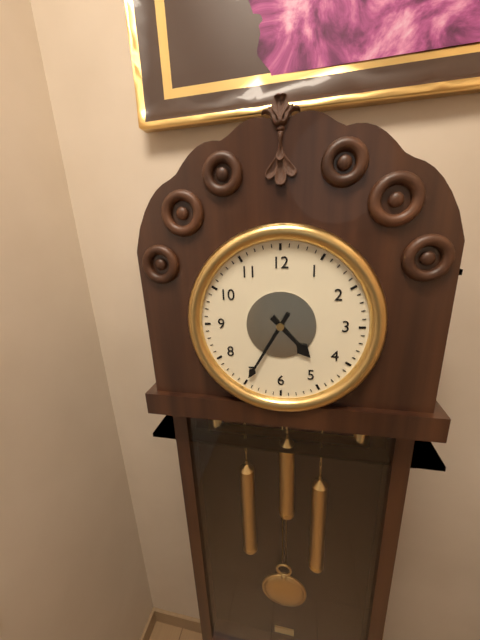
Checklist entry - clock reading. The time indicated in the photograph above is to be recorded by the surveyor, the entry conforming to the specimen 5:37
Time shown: 4:35
